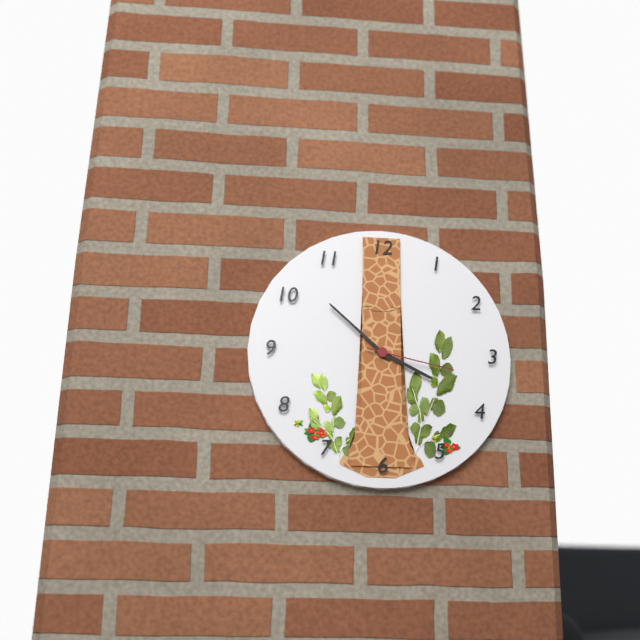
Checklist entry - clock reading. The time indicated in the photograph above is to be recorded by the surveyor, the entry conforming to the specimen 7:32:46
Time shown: 3:52:17
